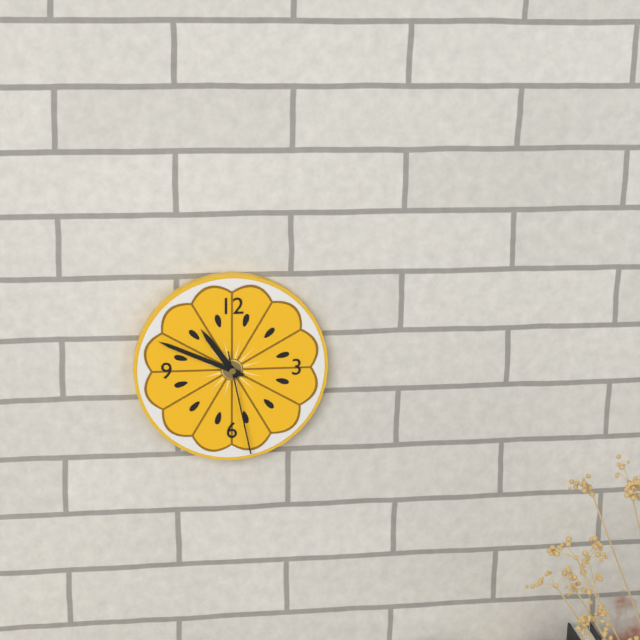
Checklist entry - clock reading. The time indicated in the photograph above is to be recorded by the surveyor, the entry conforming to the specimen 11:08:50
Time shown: 10:49:28
